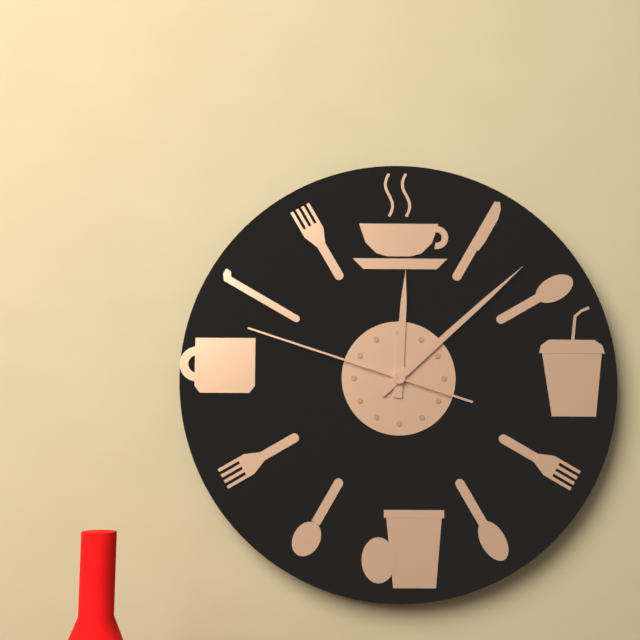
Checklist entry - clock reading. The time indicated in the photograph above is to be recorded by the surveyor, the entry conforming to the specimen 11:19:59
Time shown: 12:08:48
